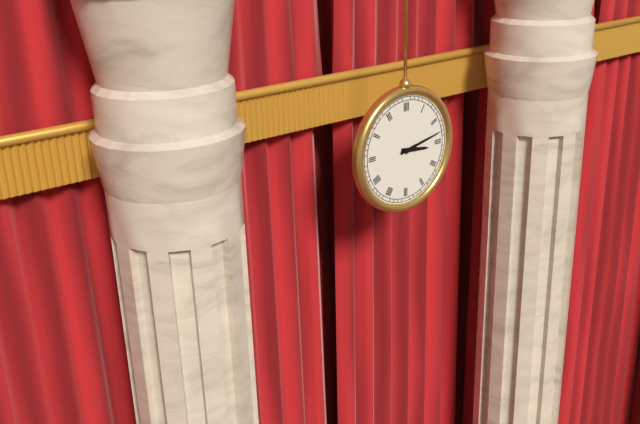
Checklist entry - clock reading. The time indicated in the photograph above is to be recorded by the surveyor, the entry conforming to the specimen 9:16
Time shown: 3:13
